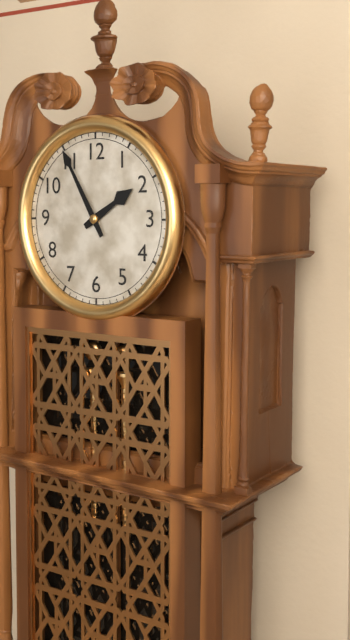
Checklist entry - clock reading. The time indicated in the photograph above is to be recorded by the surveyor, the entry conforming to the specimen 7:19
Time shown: 1:55
